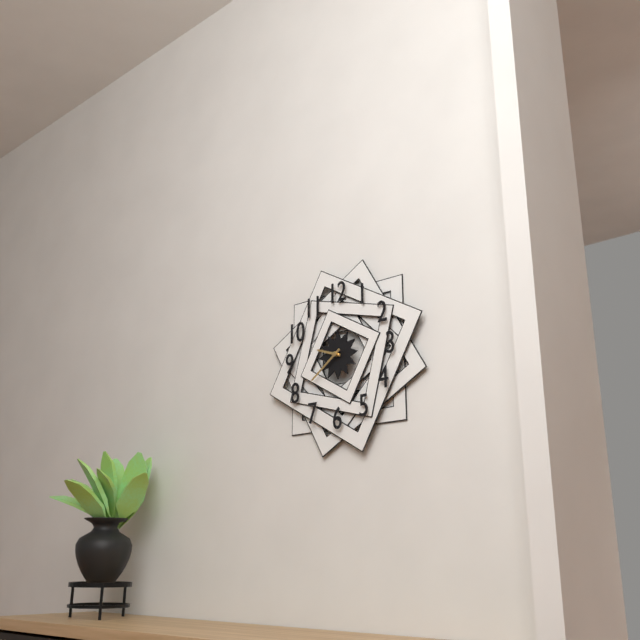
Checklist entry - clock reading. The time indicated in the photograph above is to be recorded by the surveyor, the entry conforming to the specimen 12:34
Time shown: 9:39
